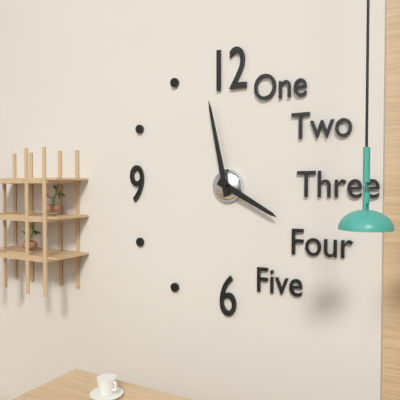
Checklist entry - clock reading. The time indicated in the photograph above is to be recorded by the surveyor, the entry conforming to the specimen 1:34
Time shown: 3:58
